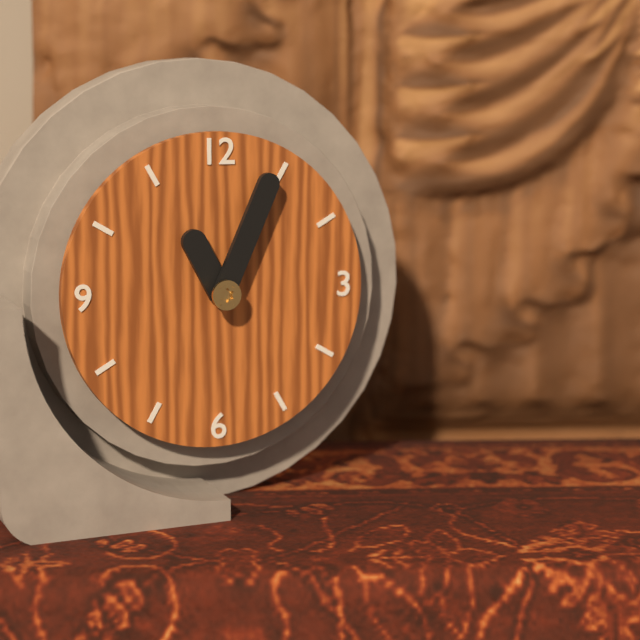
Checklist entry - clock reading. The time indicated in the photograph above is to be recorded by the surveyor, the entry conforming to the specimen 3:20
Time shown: 11:04
